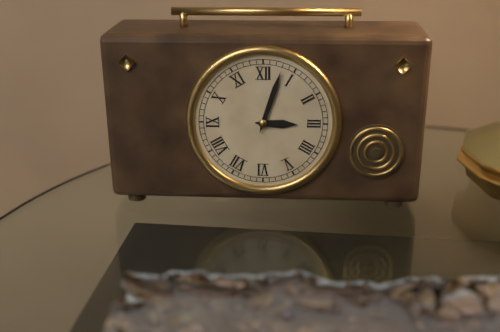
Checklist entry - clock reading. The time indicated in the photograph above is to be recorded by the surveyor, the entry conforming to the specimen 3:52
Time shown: 3:03
